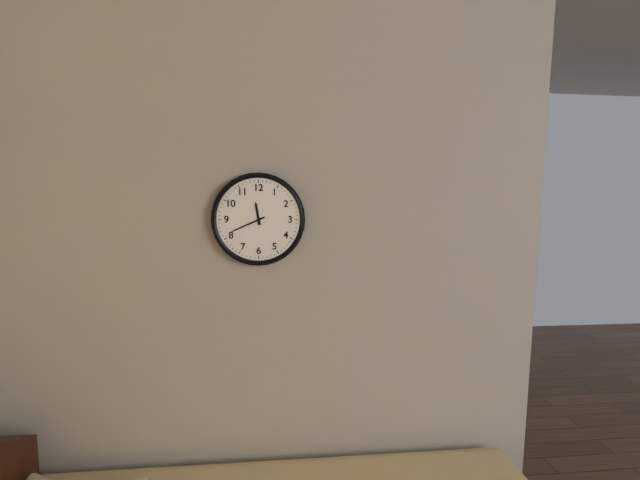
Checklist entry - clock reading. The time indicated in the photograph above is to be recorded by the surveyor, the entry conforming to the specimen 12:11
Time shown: 11:41
